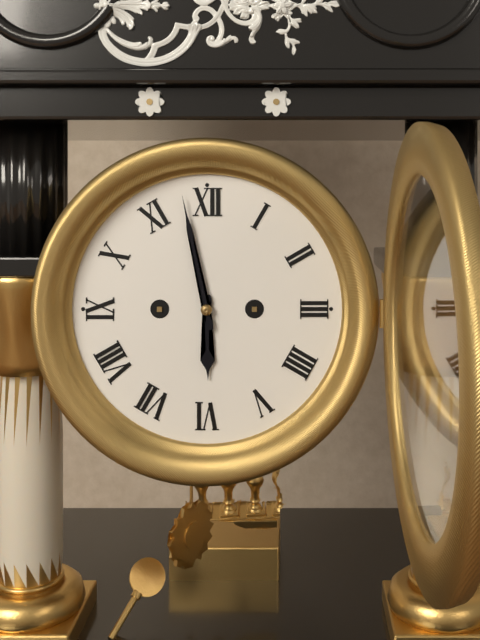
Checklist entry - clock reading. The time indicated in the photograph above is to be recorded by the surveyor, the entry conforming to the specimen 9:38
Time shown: 5:58
